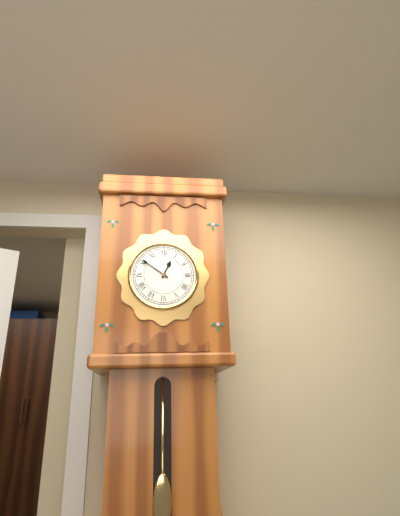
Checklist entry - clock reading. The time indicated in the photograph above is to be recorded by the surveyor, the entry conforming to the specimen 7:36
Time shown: 12:51
